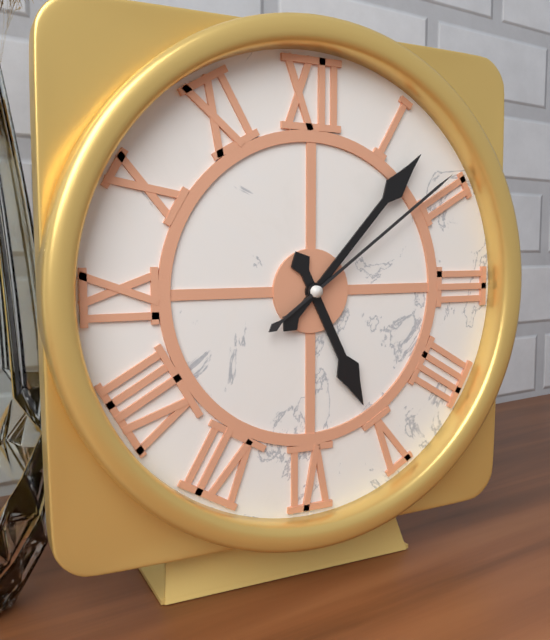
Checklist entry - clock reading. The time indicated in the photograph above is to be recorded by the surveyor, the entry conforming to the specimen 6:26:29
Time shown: 5:07:09
